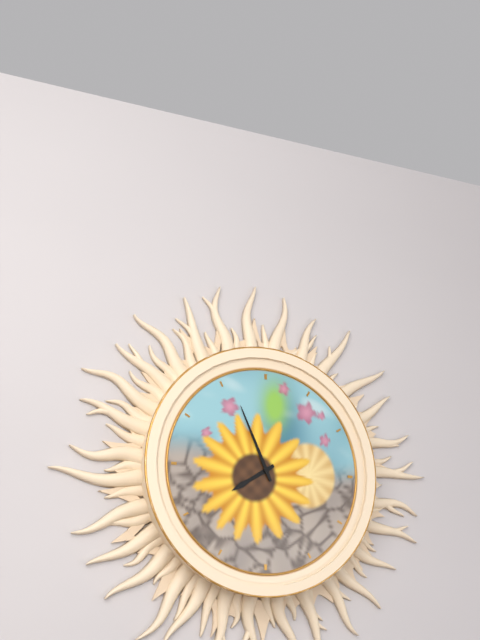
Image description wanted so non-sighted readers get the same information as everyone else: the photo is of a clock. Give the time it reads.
7:56
